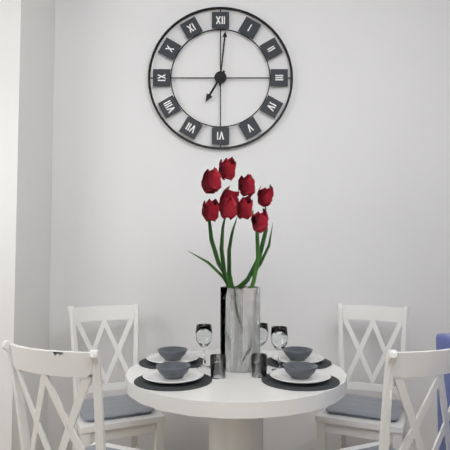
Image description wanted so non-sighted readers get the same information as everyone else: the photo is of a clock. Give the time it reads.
7:01
